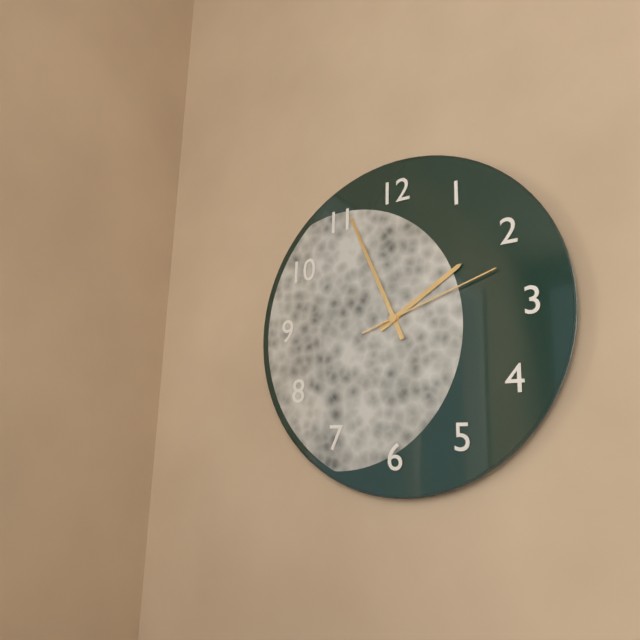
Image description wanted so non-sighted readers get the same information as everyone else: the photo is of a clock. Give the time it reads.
1:56:12
